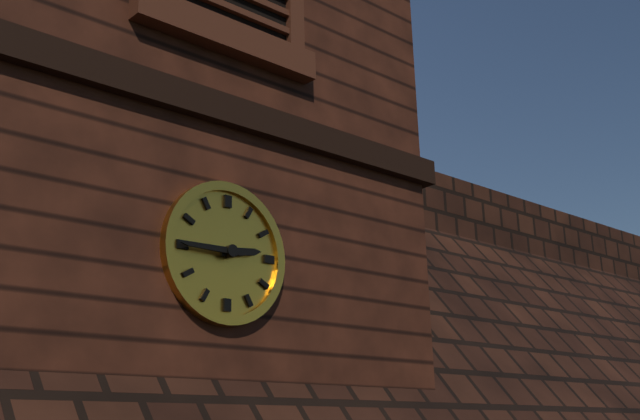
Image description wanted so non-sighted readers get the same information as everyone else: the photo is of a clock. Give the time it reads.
2:45
